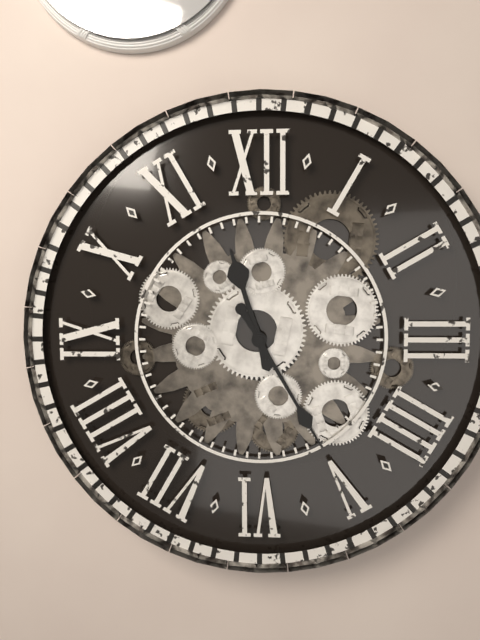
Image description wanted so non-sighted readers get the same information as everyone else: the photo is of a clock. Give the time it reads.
11:25
